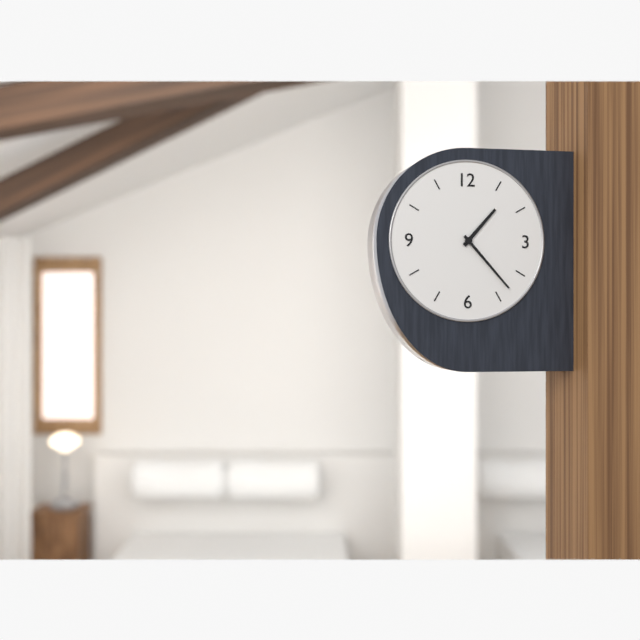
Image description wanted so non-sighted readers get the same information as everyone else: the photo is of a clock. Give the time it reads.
1:23
